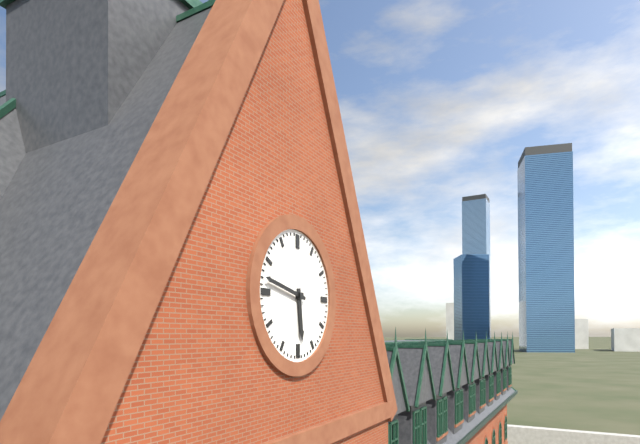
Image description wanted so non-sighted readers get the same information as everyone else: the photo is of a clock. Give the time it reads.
5:47
